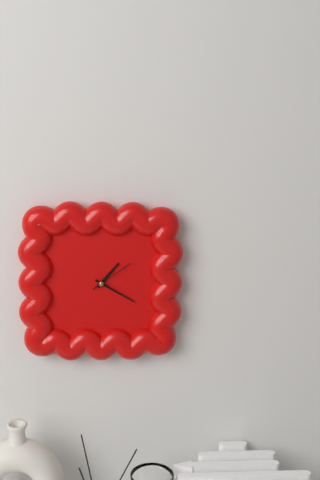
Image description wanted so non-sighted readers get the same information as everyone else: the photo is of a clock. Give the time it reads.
1:20
